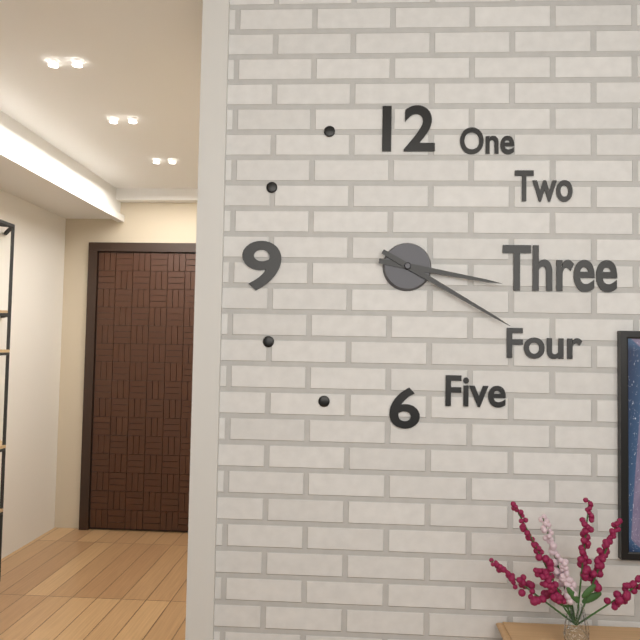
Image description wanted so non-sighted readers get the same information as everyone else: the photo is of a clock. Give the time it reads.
3:20
